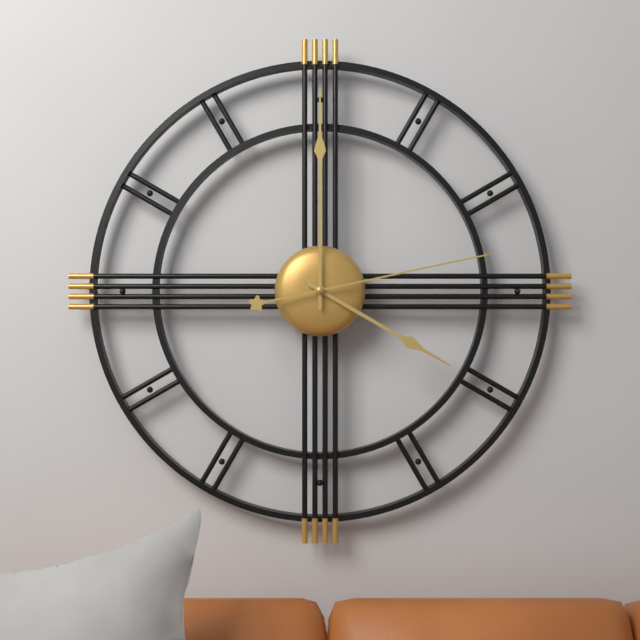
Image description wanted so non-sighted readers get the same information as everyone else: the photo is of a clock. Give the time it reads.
4:00:13
